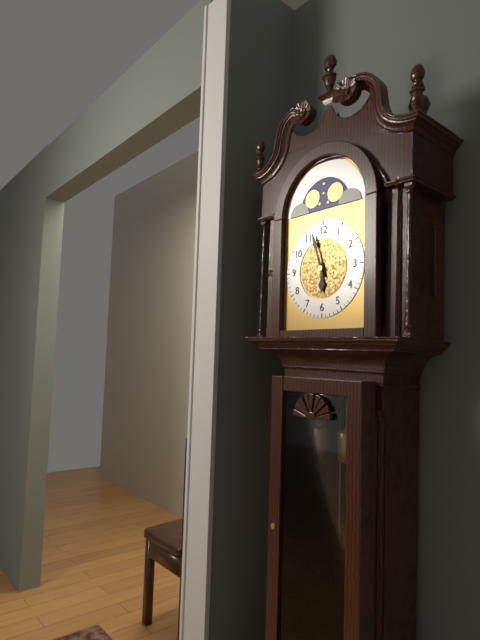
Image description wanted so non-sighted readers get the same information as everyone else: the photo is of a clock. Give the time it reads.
5:57
